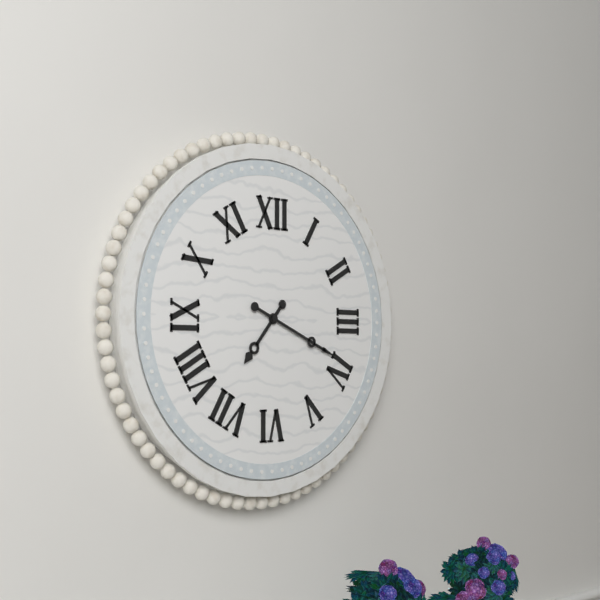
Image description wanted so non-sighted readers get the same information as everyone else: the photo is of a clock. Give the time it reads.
7:19
